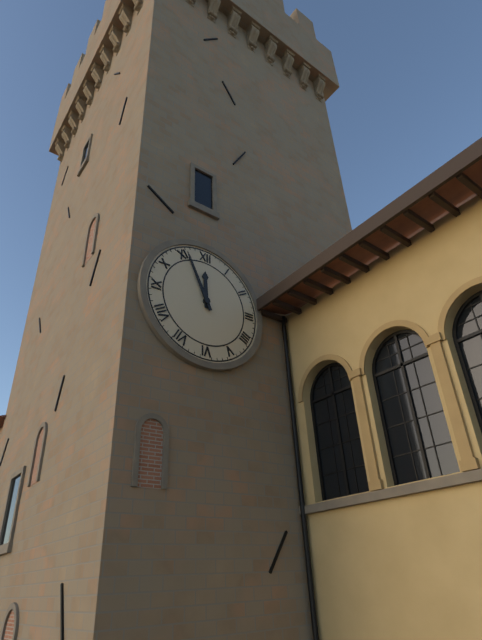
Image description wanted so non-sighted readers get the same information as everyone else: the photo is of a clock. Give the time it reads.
11:56
